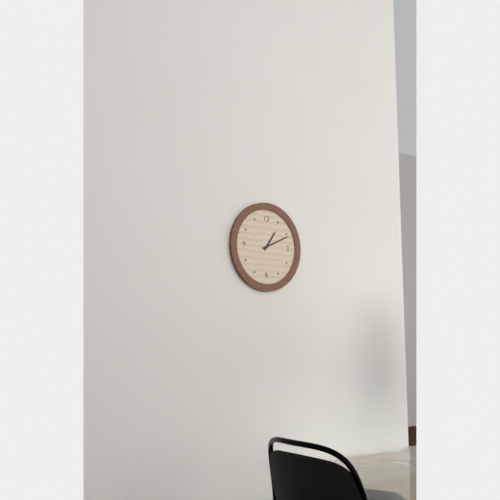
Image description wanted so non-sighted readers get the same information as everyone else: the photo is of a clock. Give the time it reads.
1:11
